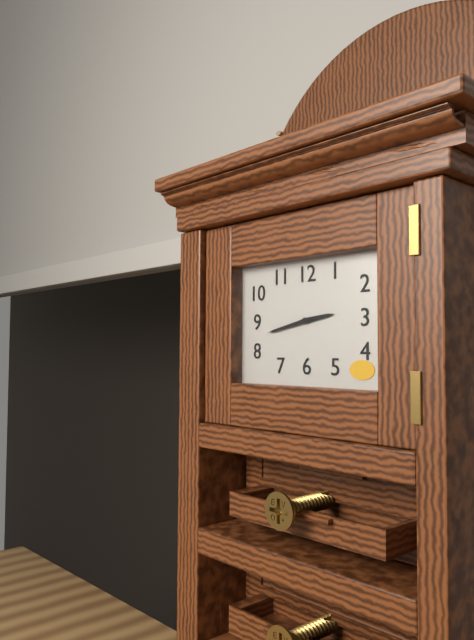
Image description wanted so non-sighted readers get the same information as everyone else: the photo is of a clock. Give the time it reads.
2:43
